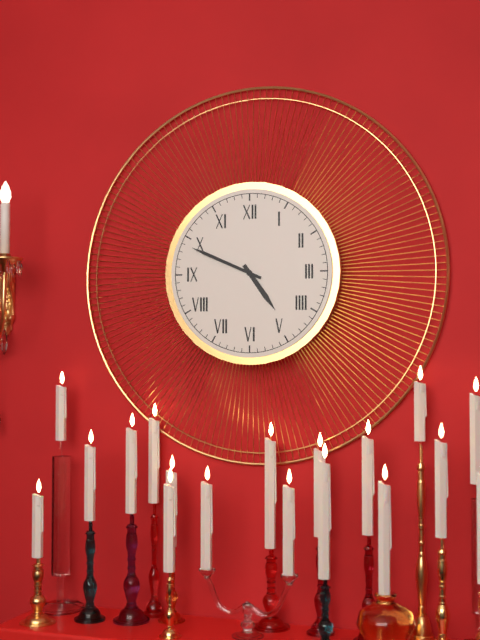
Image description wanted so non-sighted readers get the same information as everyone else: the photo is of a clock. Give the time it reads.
4:49
